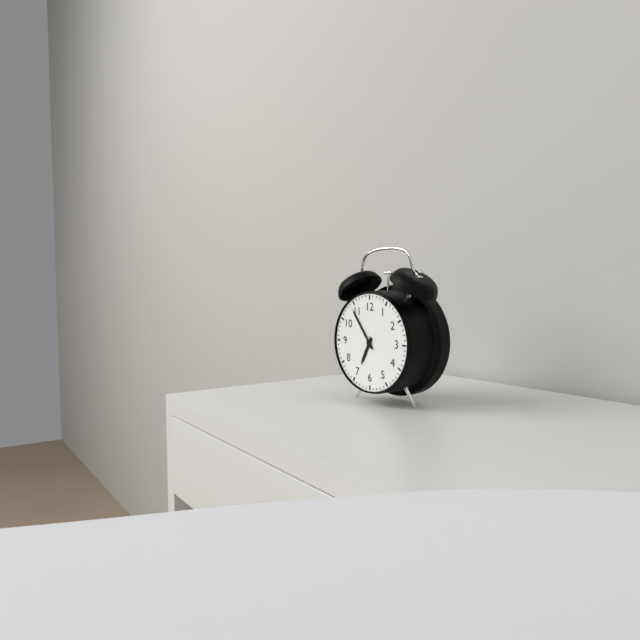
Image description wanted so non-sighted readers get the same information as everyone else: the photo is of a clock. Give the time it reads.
6:54
